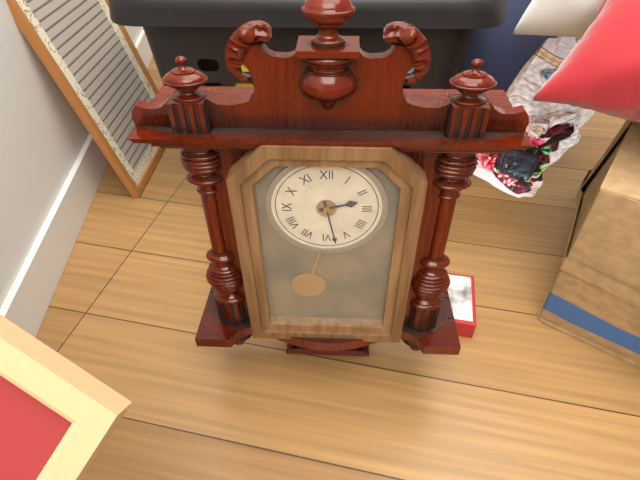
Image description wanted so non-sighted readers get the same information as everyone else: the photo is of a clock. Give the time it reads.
2:28
